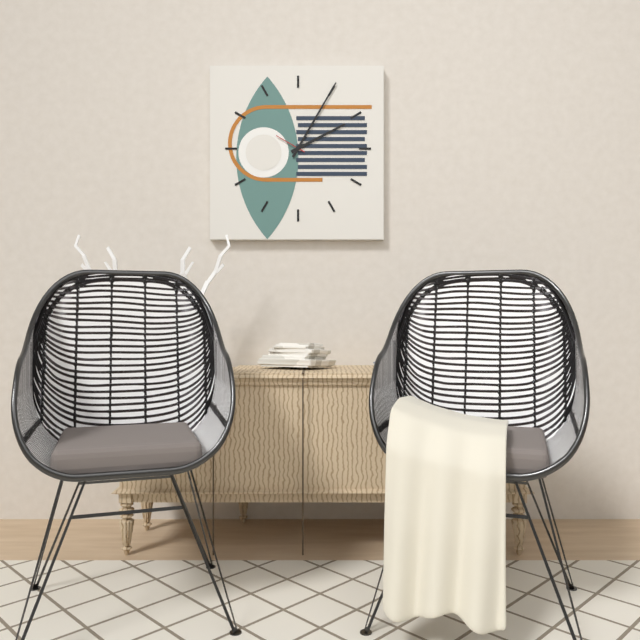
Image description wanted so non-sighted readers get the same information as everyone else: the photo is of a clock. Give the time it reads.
2:05
